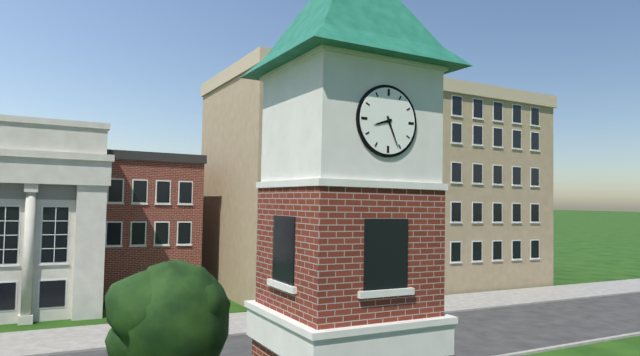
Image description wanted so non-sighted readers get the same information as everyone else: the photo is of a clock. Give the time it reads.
8:26
